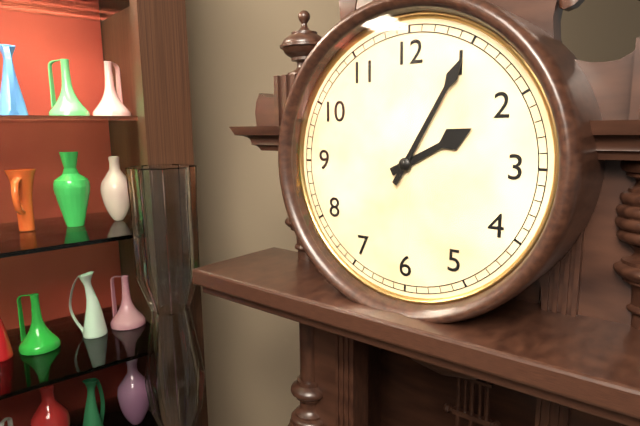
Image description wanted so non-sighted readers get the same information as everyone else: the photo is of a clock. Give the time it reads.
2:05
